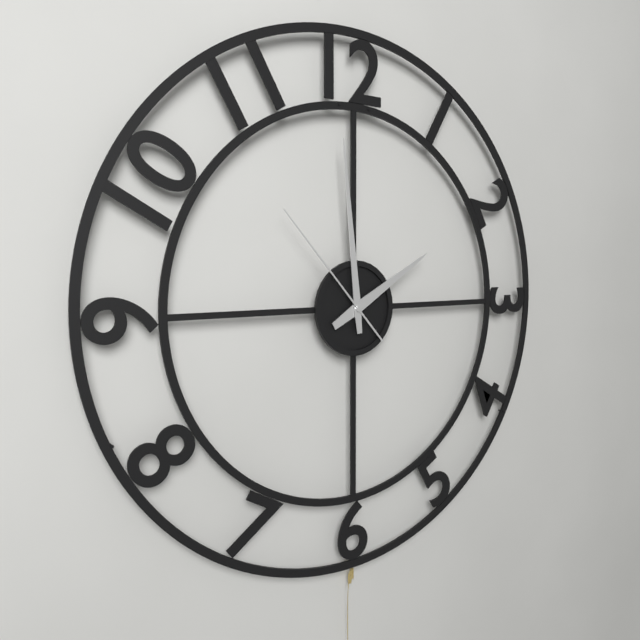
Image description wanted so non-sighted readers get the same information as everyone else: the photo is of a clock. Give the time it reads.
1:59:53
